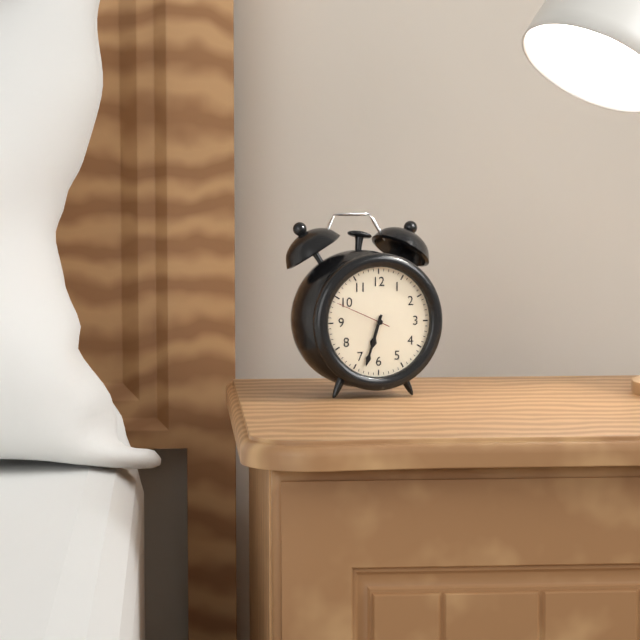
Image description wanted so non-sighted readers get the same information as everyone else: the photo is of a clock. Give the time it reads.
6:33:49
